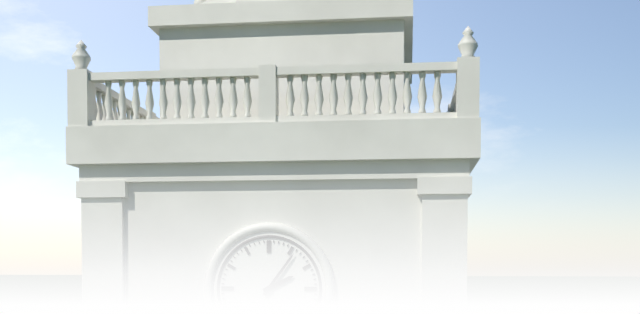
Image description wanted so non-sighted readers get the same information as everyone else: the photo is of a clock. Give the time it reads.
2:06
